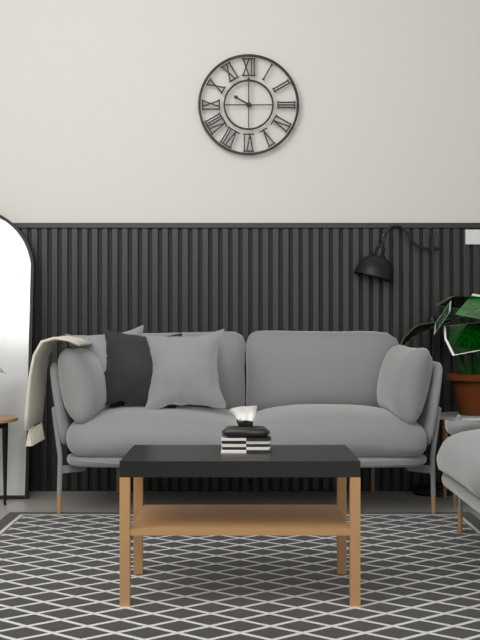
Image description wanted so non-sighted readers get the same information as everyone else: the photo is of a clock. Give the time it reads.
10:00
